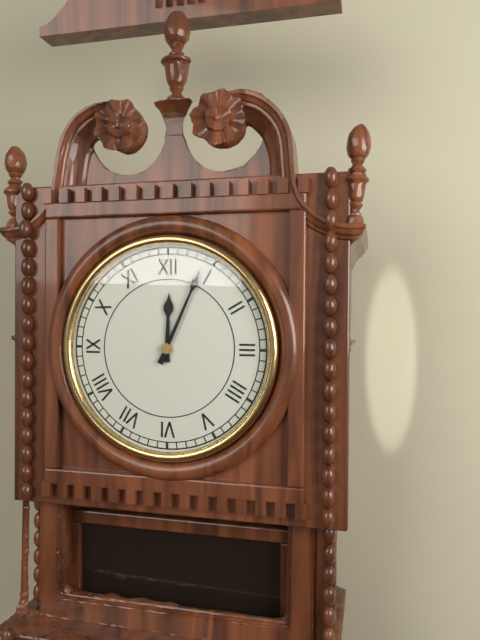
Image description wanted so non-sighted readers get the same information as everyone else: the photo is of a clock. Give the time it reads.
12:04
